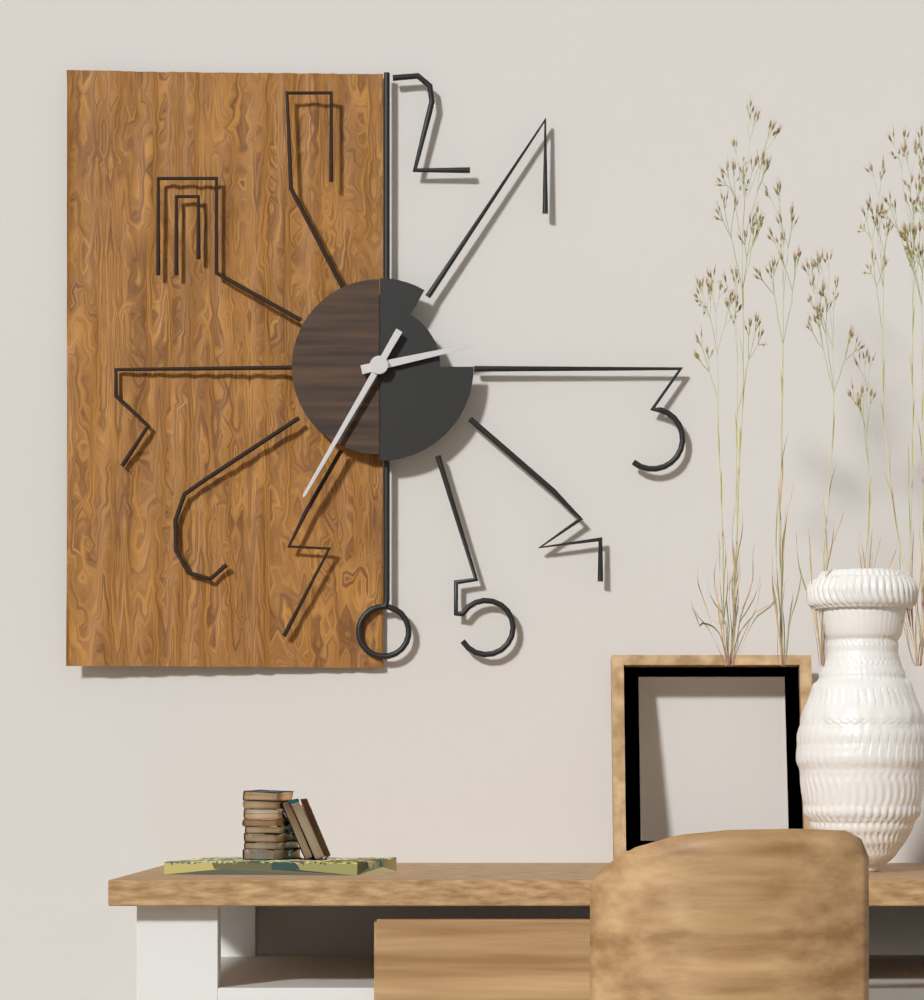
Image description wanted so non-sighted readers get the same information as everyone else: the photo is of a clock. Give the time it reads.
2:35
